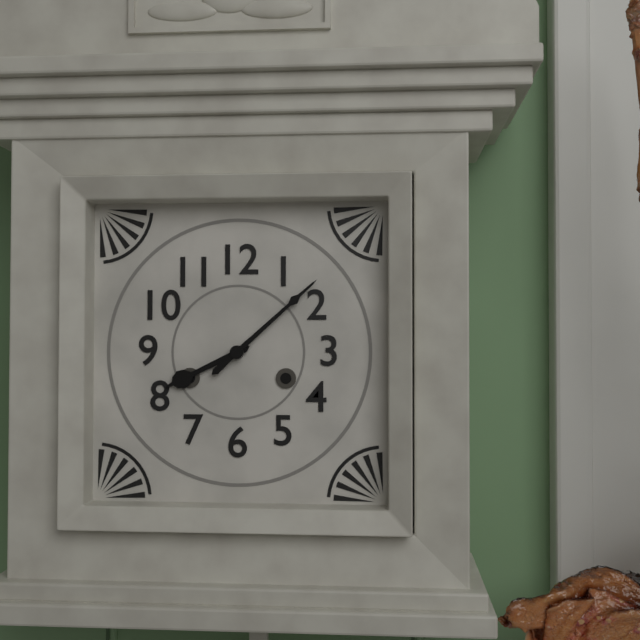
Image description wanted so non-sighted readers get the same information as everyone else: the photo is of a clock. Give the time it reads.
8:08
